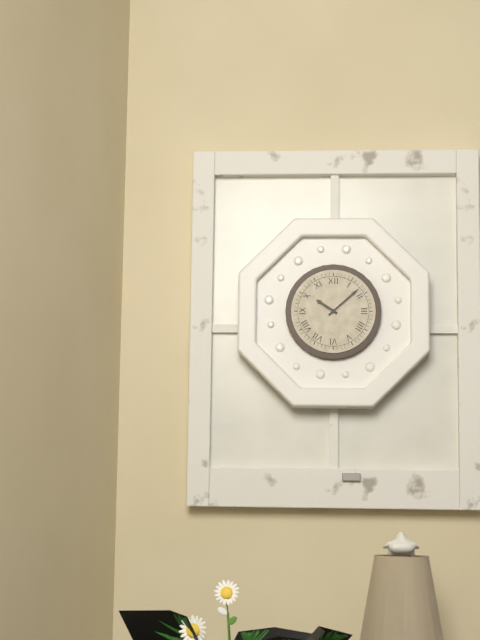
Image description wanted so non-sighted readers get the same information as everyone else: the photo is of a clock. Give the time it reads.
10:08
